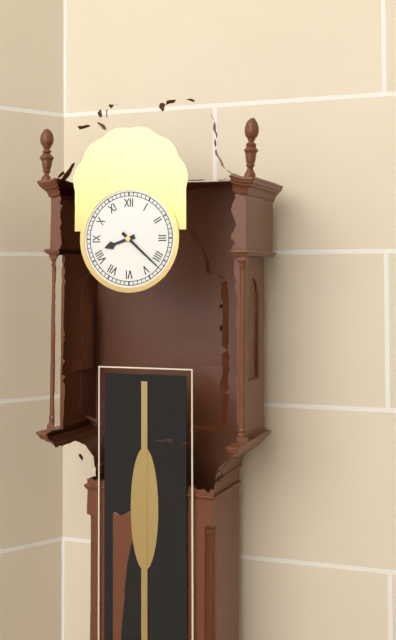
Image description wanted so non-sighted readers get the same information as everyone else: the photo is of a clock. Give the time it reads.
8:22
